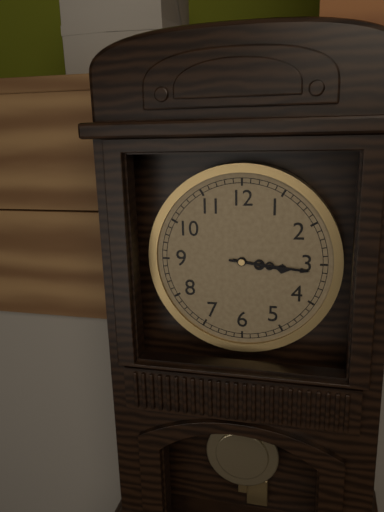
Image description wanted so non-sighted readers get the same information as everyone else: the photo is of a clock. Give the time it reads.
3:16
